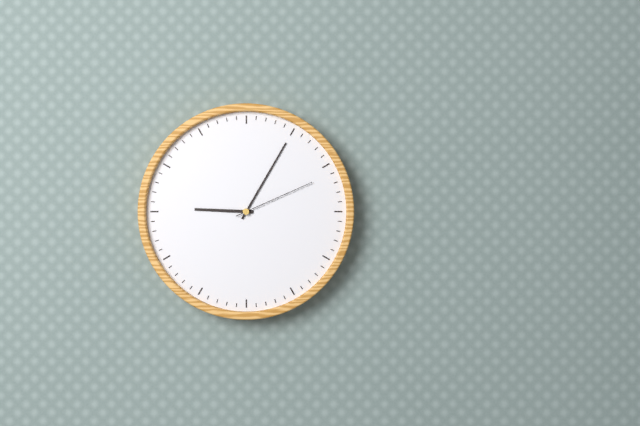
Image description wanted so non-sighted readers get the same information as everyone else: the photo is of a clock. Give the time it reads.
9:05:11
